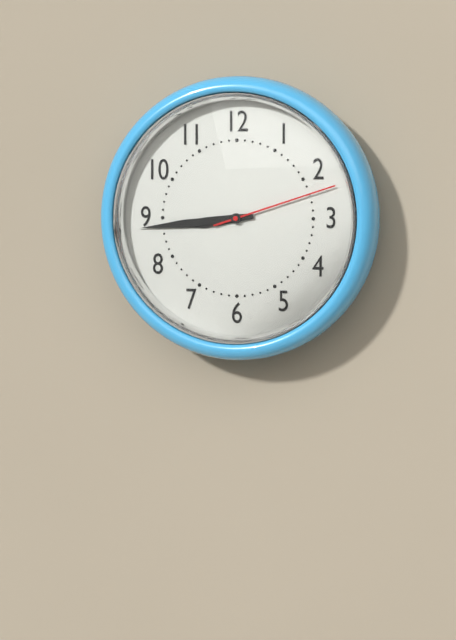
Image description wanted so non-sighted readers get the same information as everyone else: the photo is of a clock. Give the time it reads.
8:44:12
